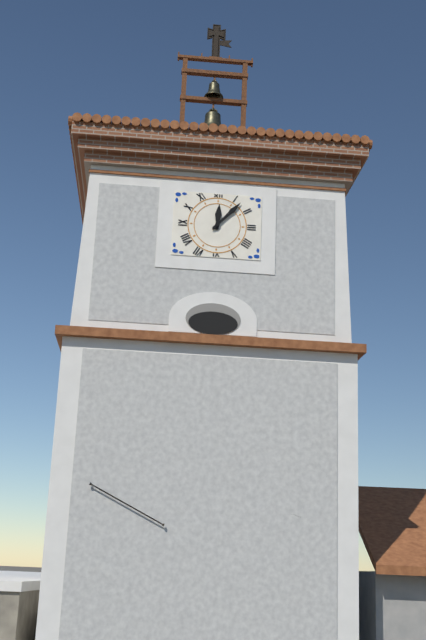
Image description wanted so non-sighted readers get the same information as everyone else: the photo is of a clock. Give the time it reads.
12:07
